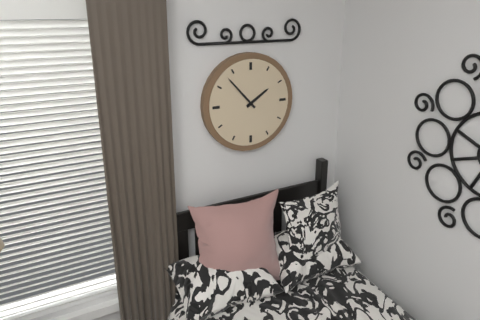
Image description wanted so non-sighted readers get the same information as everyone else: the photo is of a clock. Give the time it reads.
1:53
